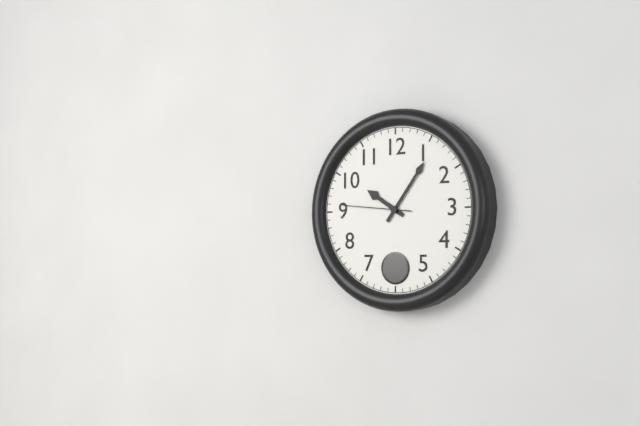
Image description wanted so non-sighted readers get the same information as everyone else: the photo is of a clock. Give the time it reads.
10:06:46
